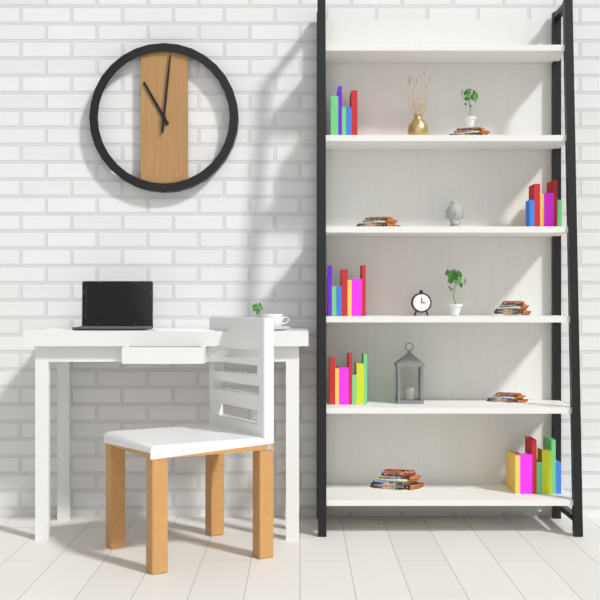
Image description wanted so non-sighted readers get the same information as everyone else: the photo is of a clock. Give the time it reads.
11:01
